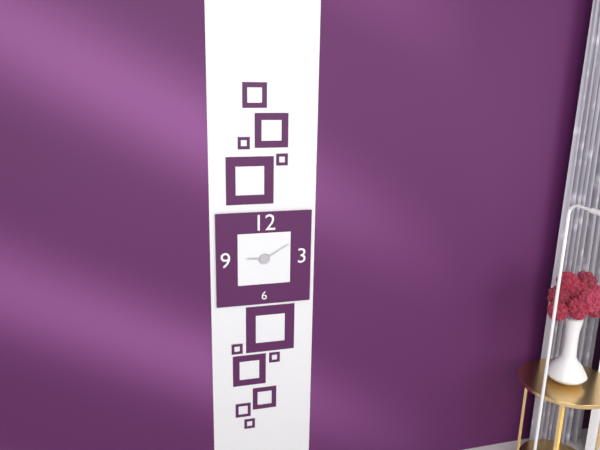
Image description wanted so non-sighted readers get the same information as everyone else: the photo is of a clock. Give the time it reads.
9:10
